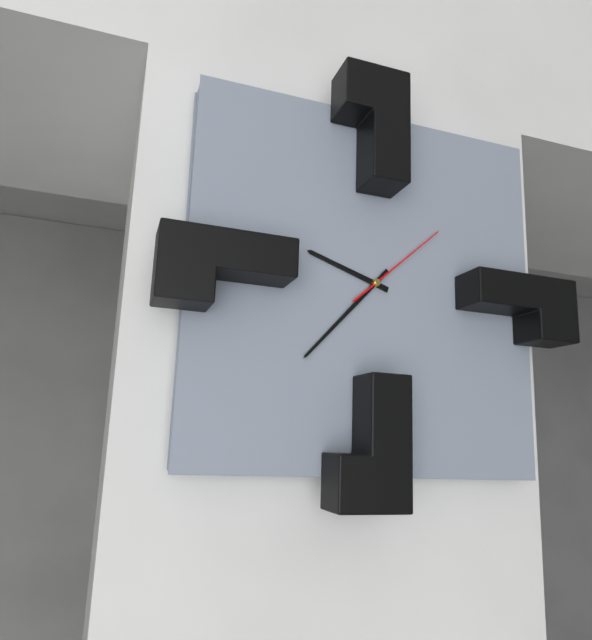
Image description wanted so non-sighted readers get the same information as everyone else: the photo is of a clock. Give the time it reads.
9:37:08
